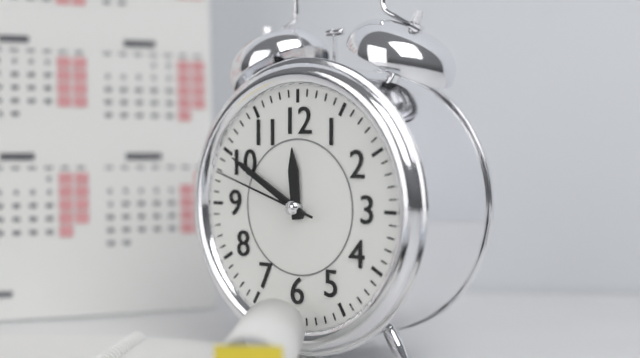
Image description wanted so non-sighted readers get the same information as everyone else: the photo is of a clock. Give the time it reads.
11:50:48
